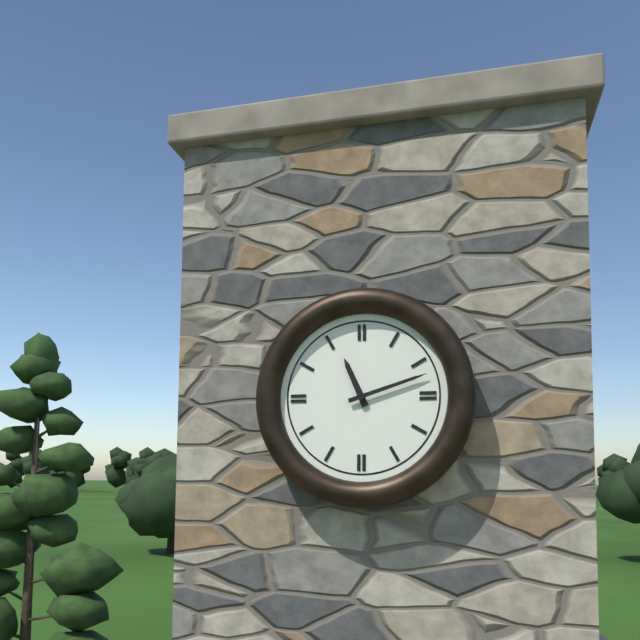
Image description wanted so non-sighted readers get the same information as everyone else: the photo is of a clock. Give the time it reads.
11:12
